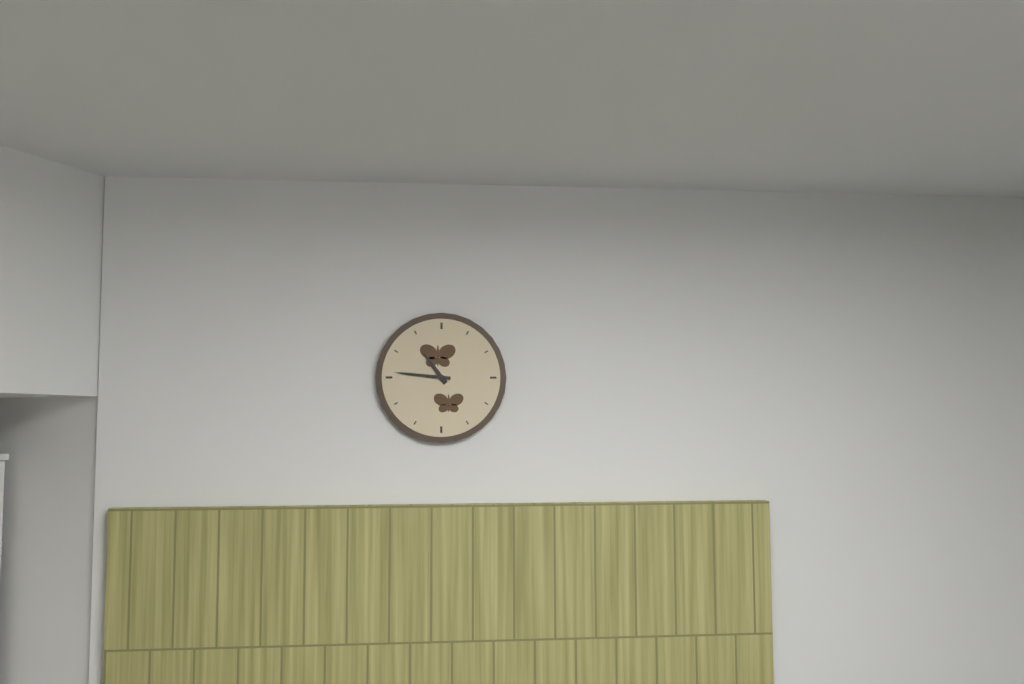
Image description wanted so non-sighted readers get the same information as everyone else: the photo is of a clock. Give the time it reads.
10:46
